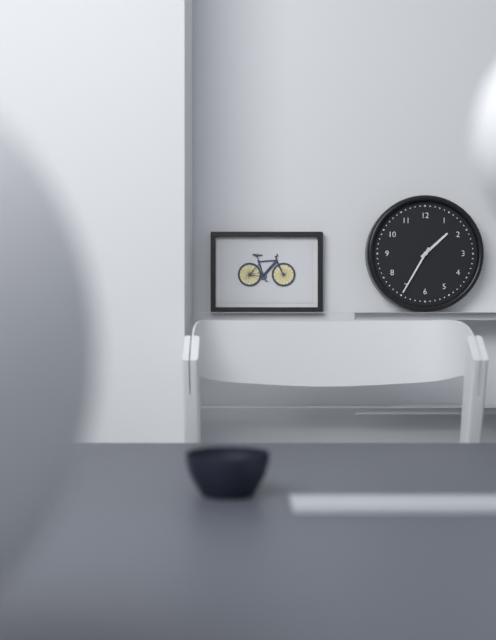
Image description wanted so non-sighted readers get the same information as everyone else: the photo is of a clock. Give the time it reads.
1:35
